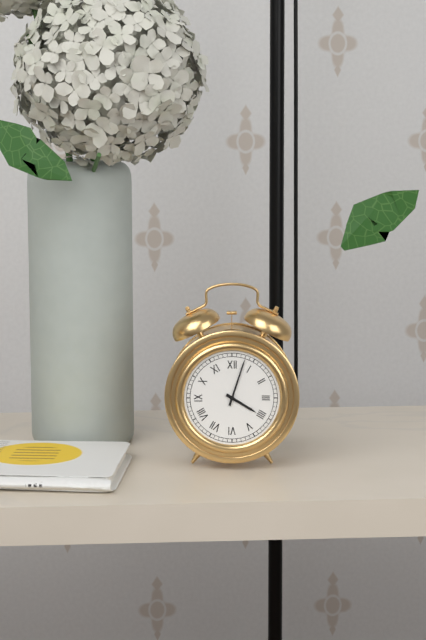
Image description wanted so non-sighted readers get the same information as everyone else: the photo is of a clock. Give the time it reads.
4:03
